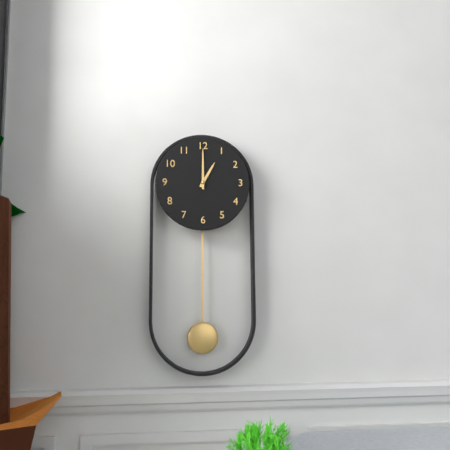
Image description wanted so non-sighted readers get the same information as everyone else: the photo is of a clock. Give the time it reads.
1:00
